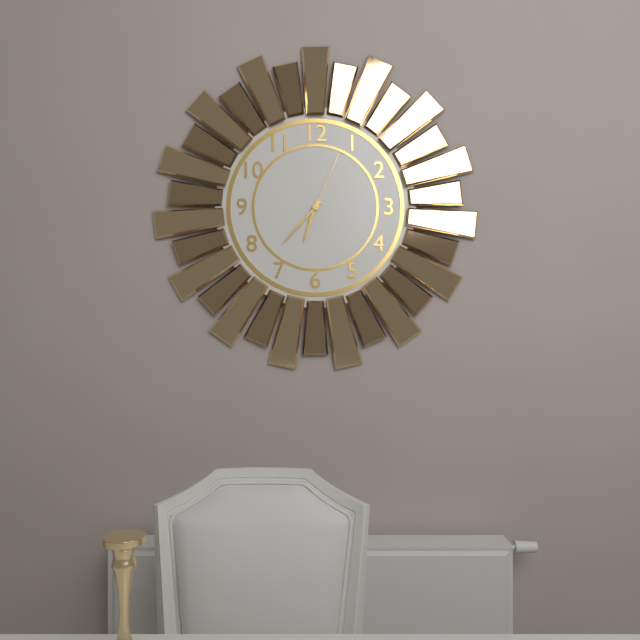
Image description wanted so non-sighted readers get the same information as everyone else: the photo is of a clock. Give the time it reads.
6:37:04
